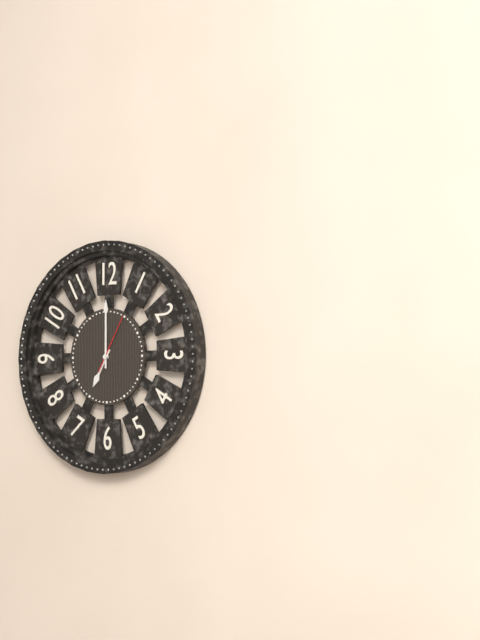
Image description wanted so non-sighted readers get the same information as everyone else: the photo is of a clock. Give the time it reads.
7:00:05
